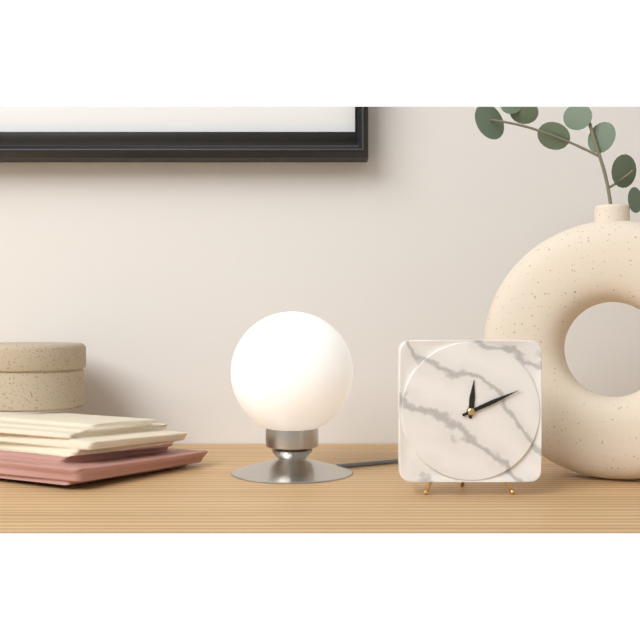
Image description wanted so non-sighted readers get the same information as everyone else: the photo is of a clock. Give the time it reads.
12:11
